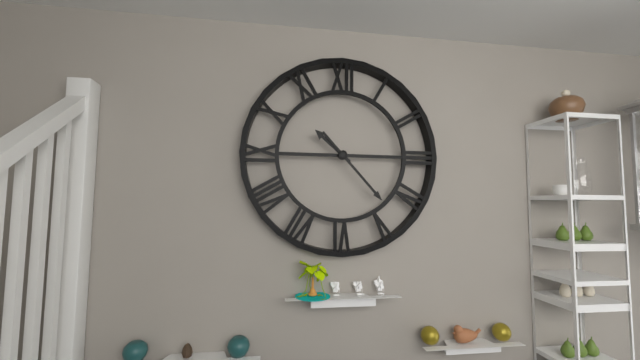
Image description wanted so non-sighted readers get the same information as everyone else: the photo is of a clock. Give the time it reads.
10:23
